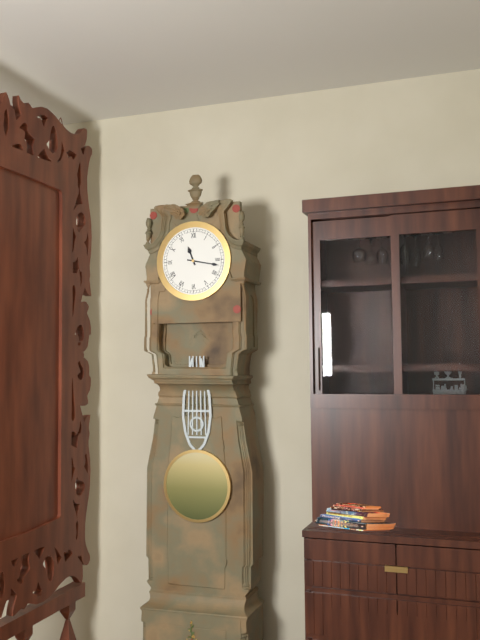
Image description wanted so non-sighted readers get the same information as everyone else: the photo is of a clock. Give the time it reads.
11:17
